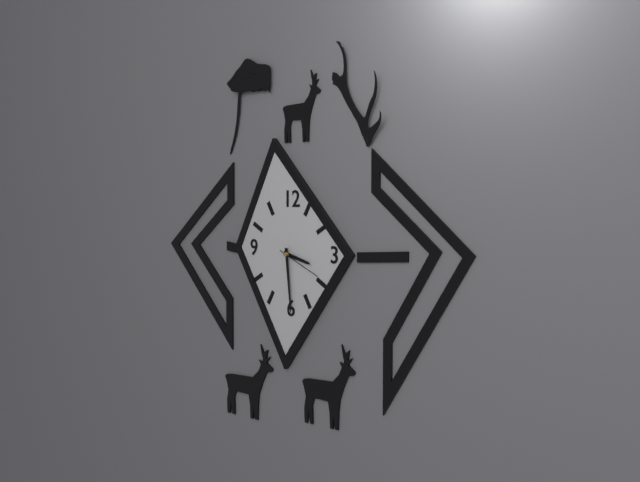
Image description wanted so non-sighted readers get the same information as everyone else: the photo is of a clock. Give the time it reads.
3:29
